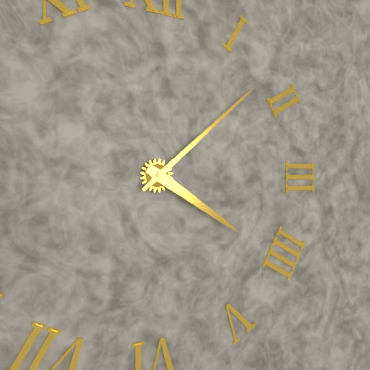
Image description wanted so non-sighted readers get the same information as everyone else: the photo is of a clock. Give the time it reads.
4:08
